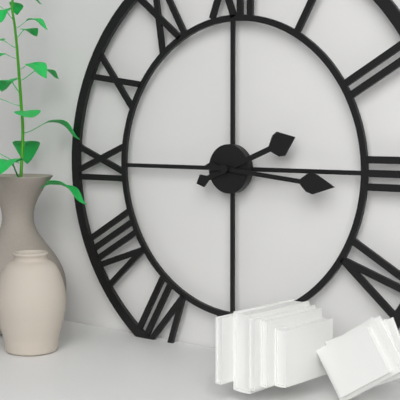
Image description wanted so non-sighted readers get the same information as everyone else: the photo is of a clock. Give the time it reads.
2:16
